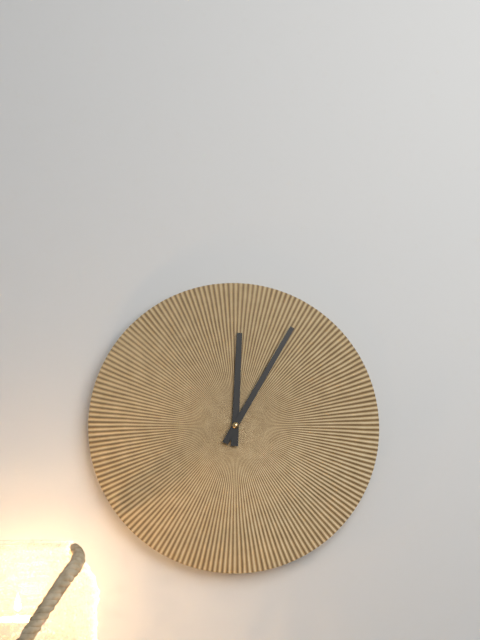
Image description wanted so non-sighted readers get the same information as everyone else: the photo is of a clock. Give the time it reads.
12:05
